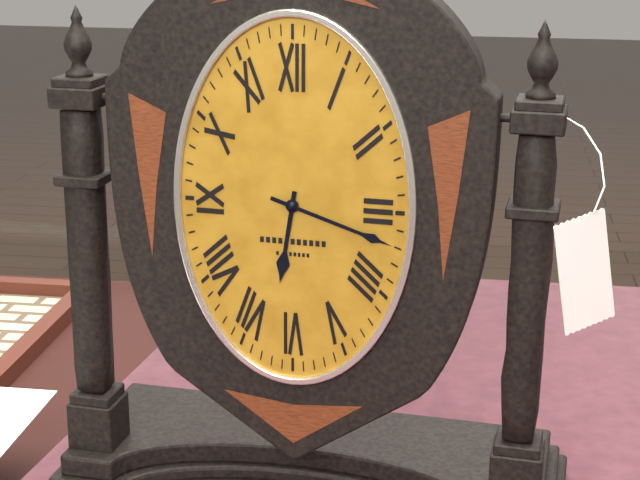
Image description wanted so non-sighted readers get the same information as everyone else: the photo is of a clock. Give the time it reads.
6:18
